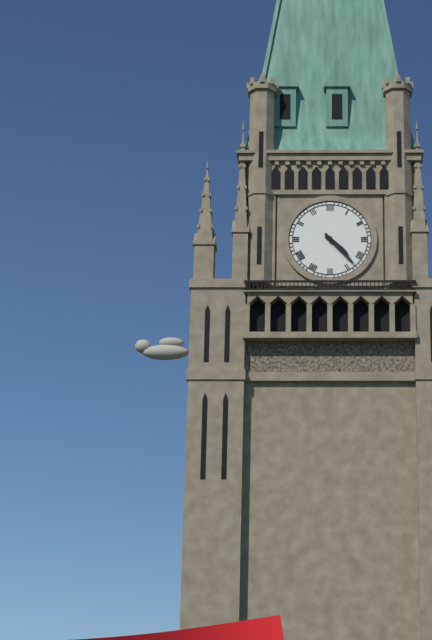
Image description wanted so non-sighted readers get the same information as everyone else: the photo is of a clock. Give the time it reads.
4:23
